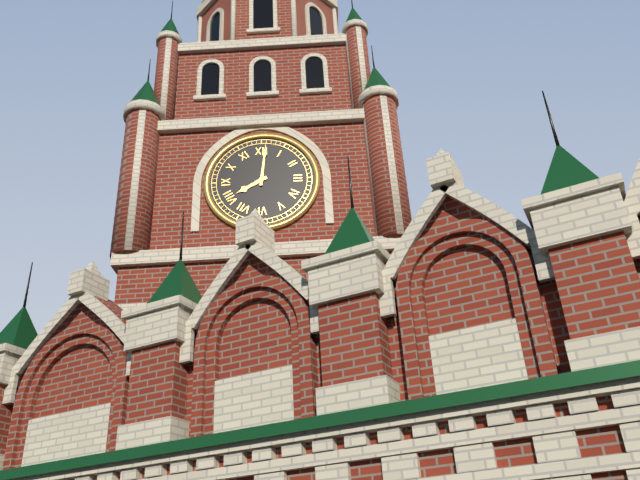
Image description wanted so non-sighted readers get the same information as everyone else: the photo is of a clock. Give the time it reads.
8:01
